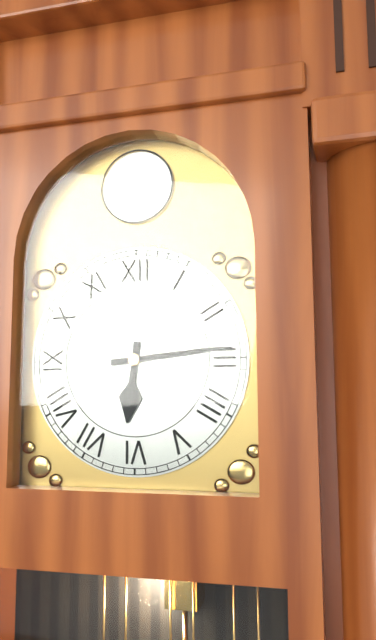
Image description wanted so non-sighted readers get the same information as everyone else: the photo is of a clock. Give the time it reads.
6:14
